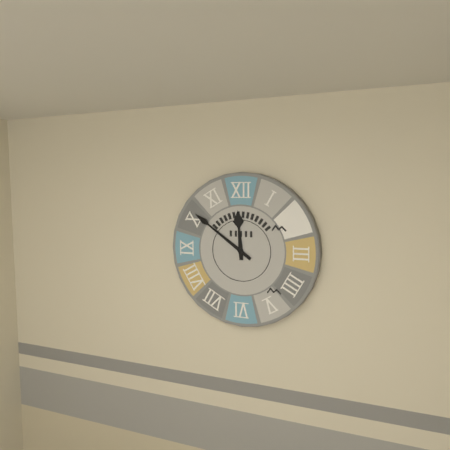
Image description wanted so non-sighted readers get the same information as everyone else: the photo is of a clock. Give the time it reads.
11:51
